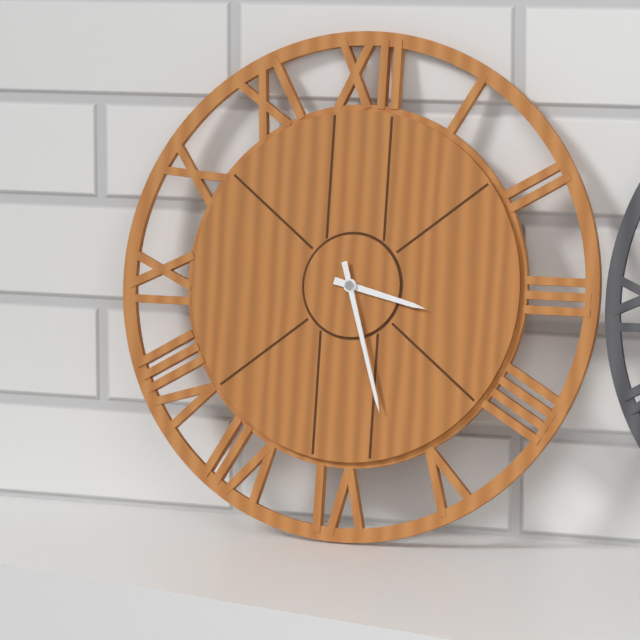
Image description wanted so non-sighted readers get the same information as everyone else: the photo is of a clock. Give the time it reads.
3:27
